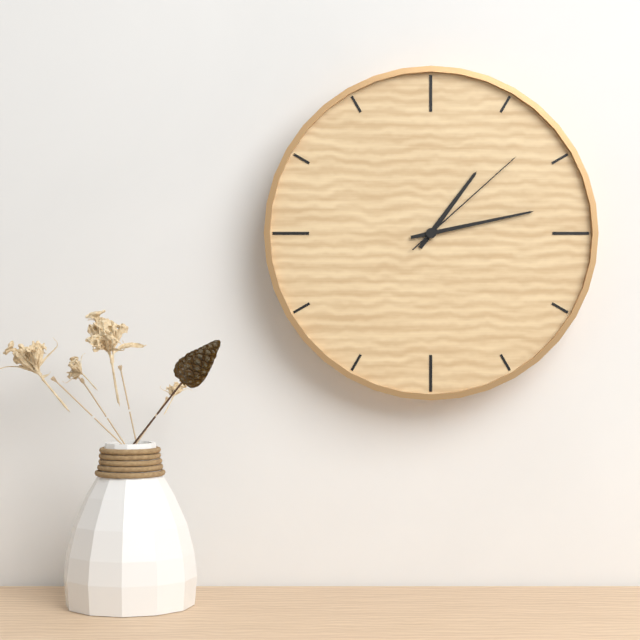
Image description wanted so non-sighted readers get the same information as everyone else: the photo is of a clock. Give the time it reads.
1:13:08
